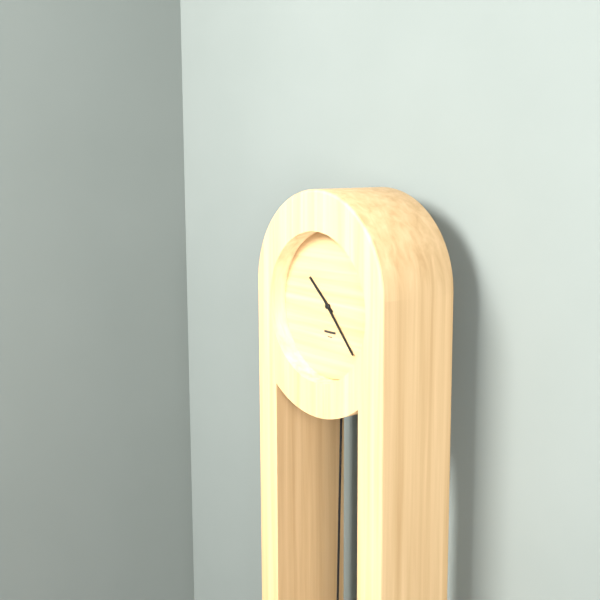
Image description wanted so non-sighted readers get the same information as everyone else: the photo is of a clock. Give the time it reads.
10:23
